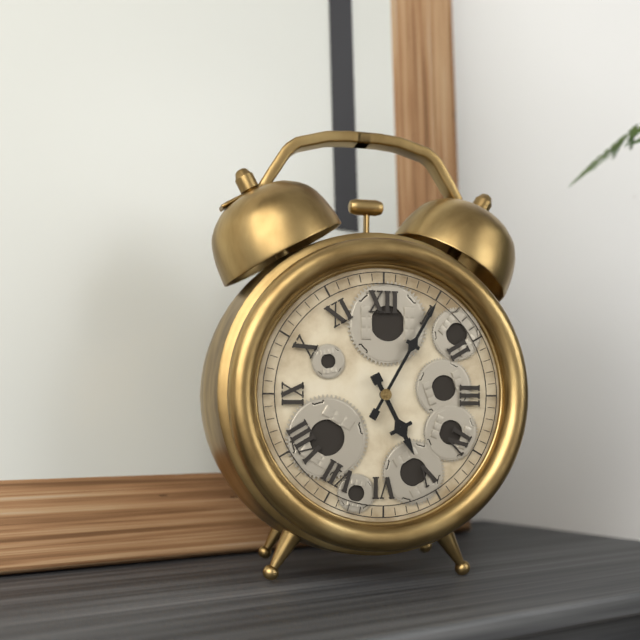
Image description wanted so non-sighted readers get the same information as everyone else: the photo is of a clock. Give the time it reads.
5:05
